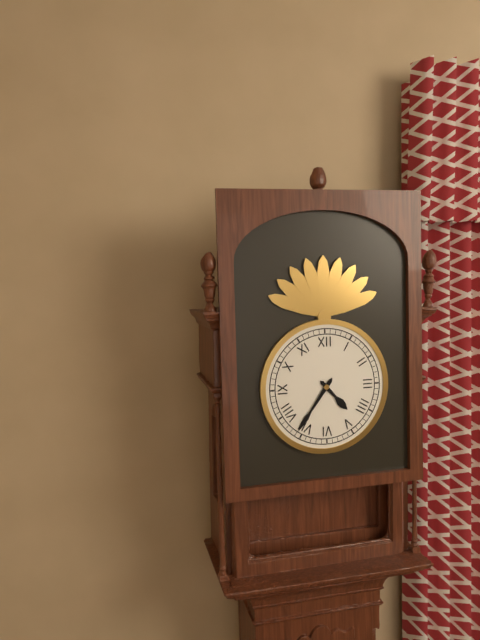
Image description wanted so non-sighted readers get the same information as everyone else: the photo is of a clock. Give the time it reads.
4:36
